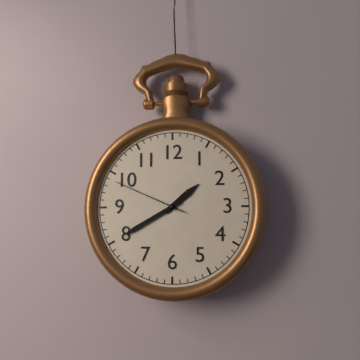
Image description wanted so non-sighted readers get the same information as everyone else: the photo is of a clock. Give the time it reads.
1:40:49
